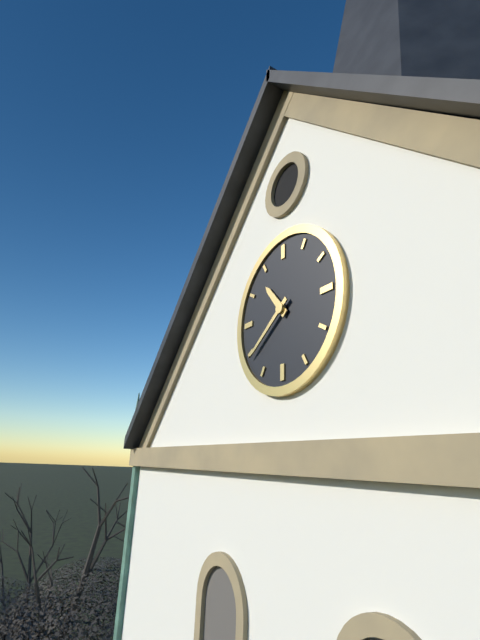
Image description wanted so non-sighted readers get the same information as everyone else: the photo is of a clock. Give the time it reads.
10:39
